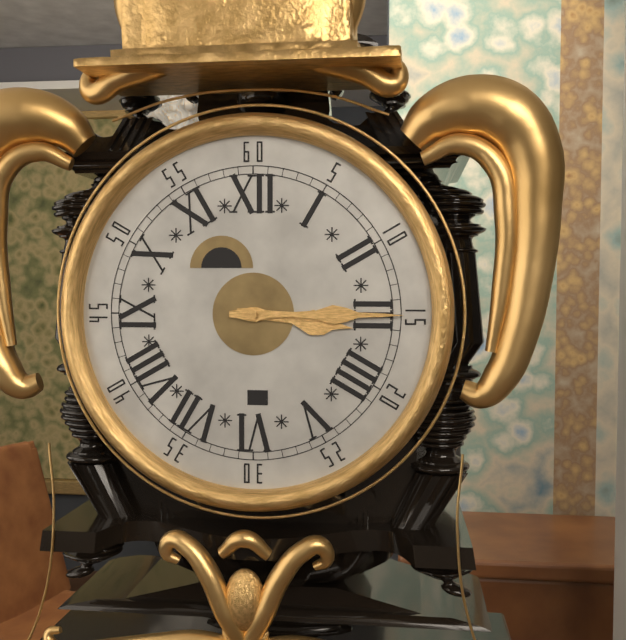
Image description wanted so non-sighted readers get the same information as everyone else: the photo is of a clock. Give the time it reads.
3:15
